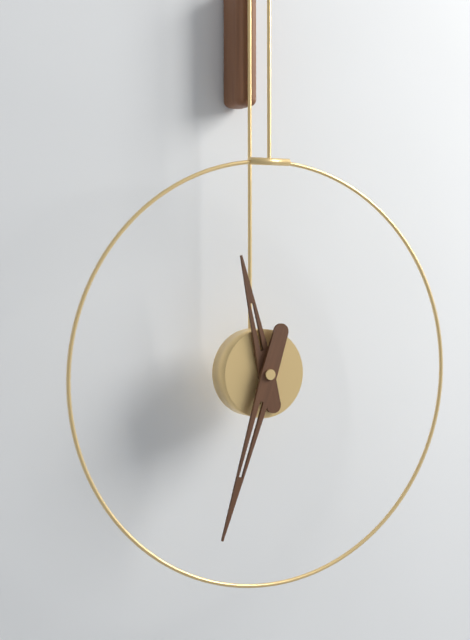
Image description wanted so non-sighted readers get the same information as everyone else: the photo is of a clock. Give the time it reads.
11:33
